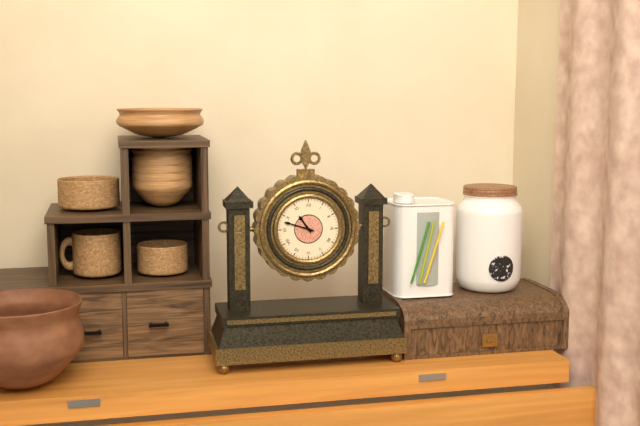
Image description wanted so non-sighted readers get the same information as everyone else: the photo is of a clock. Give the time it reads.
10:48
